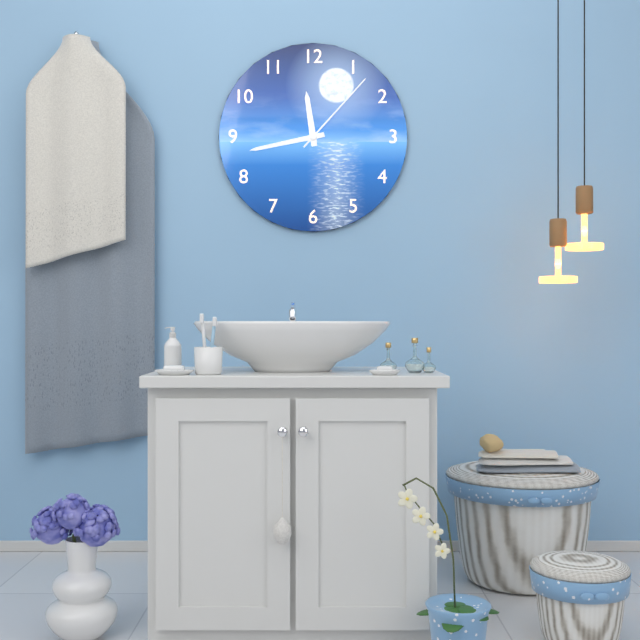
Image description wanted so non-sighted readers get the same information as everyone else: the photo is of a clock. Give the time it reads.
11:43:07
